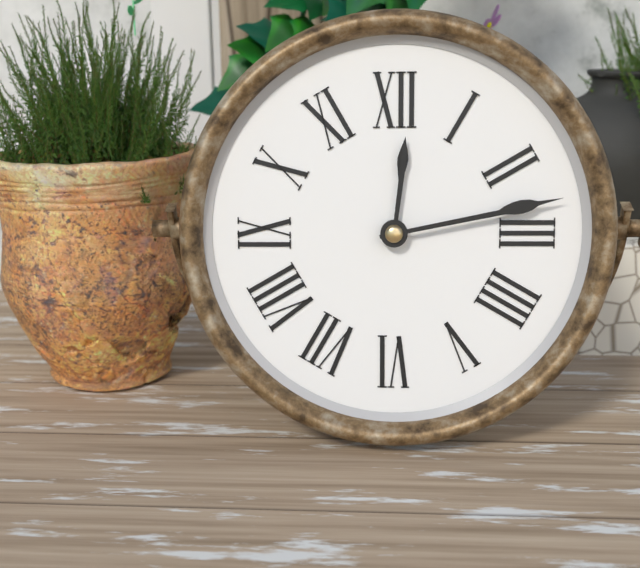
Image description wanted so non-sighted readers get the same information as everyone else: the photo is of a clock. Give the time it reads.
12:13
